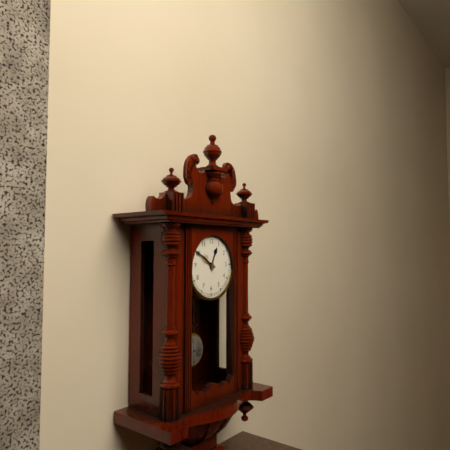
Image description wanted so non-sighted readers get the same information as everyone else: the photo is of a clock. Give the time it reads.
12:50
